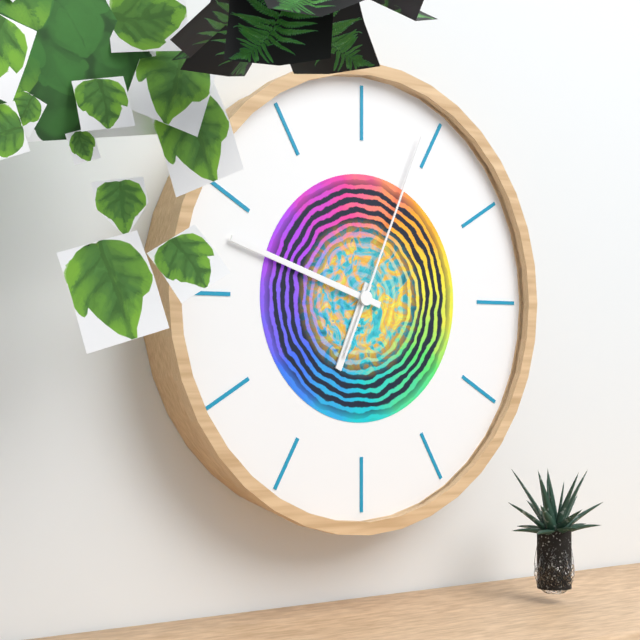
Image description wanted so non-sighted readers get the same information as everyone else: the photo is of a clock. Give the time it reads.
6:48:04
